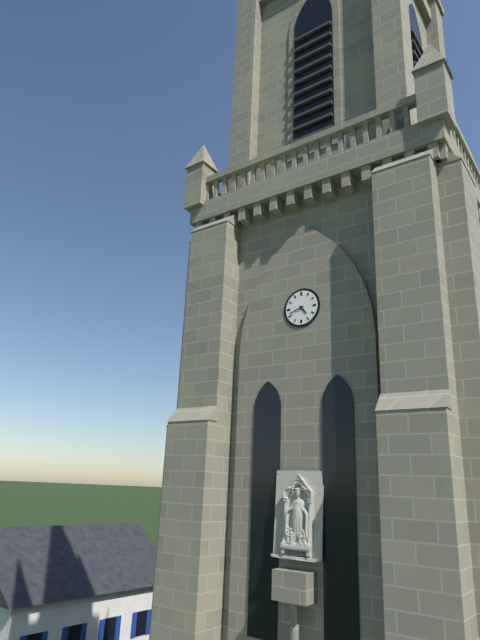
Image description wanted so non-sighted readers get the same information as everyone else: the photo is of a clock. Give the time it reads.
4:42
